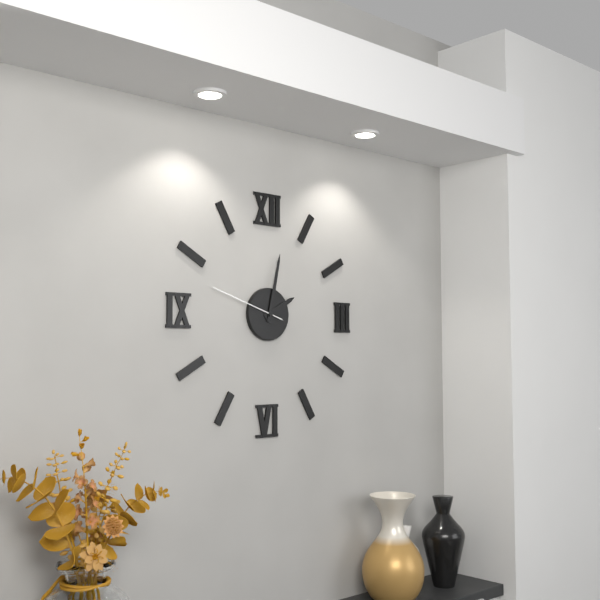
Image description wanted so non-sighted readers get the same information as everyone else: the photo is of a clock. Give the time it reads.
2:02:48
